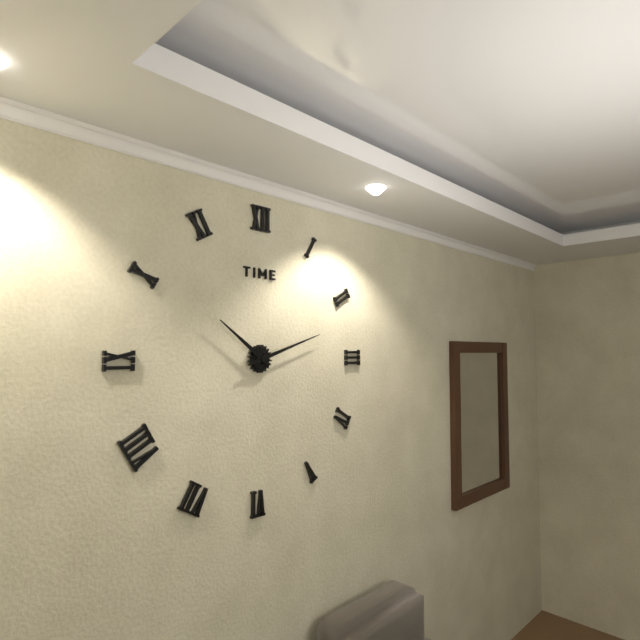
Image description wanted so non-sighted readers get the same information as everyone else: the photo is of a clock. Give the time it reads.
10:12
